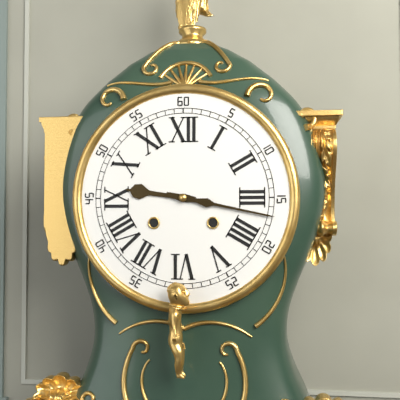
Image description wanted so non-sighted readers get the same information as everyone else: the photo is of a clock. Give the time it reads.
9:17
